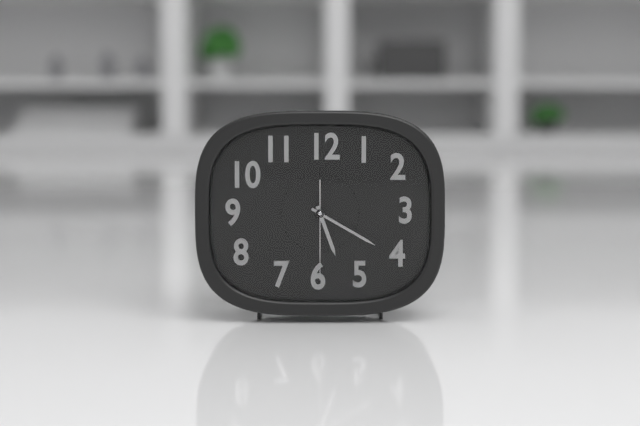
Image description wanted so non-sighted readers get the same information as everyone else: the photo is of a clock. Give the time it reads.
5:20:30
